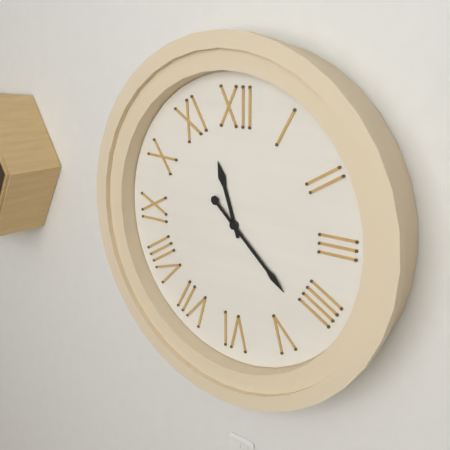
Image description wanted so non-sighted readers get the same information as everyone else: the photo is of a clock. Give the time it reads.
11:22
